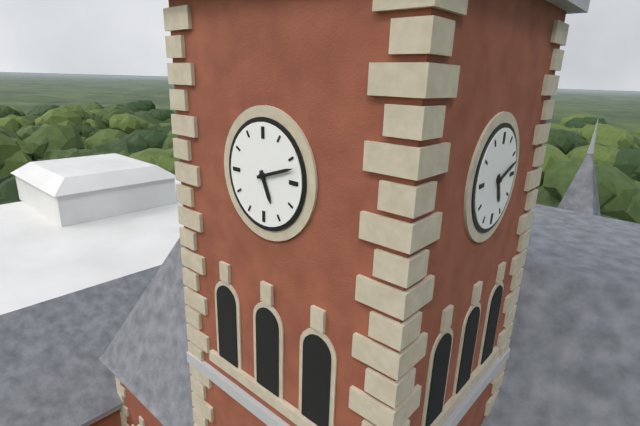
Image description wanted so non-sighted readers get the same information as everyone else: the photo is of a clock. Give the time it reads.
5:12
